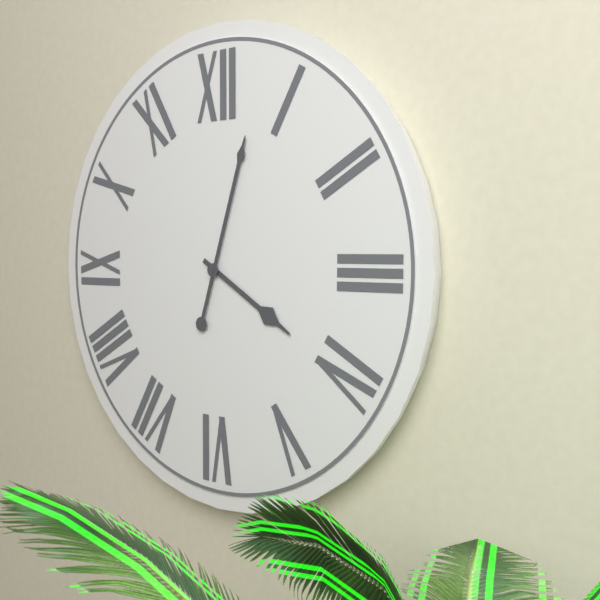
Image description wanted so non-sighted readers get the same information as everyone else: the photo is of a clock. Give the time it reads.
4:03
